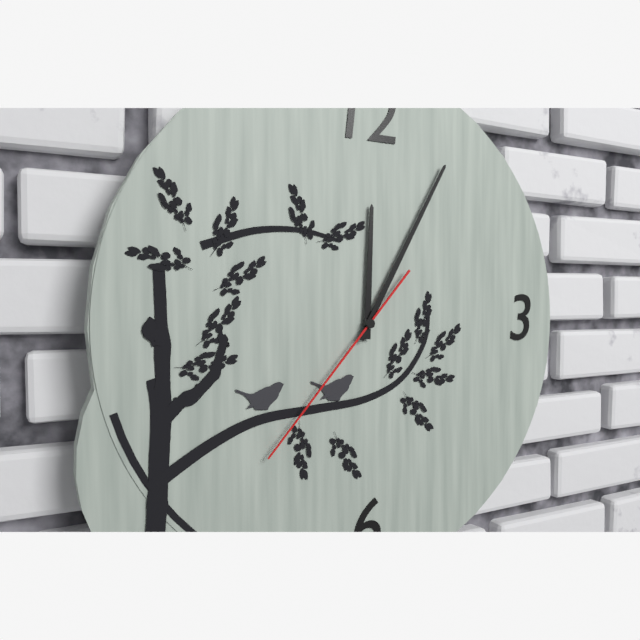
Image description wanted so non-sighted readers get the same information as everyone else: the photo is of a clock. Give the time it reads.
12:05:37
